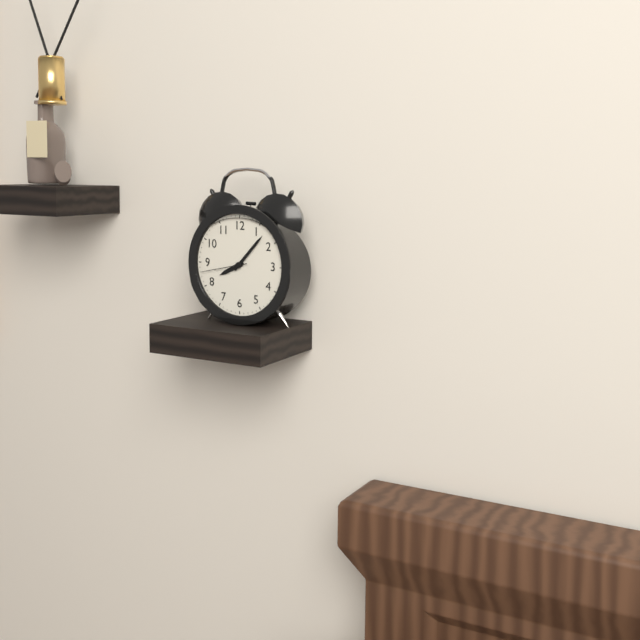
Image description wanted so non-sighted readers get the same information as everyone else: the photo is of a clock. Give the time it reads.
8:07
